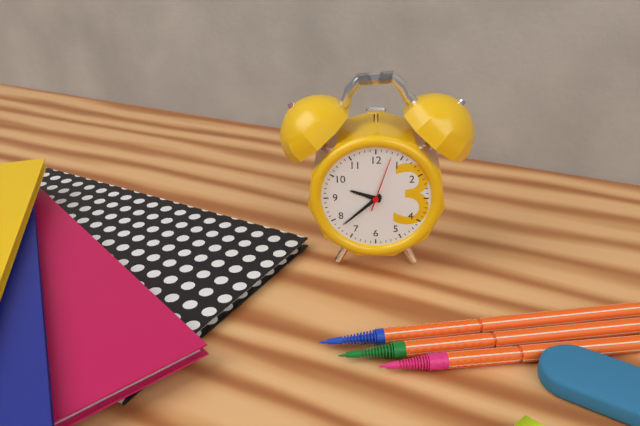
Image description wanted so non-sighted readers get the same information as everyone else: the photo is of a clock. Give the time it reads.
9:38:03
